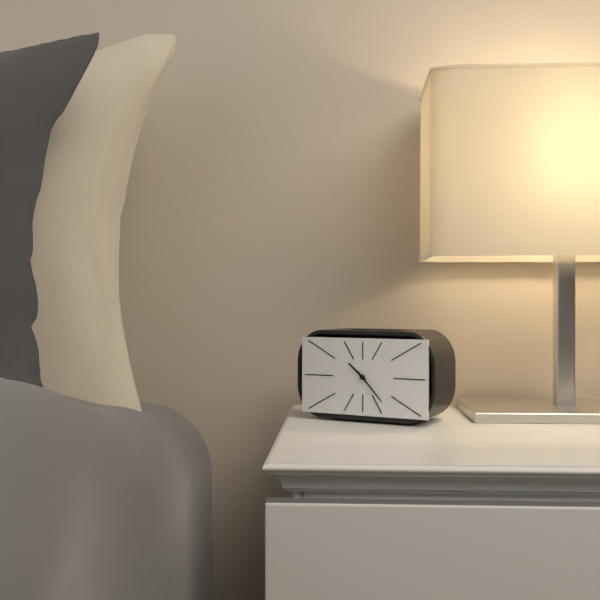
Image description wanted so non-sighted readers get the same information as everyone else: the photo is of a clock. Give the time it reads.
10:23
